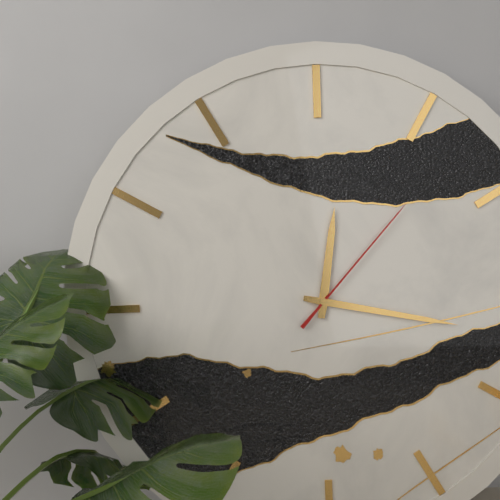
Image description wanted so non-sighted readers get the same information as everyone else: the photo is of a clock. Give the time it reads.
12:17:07
